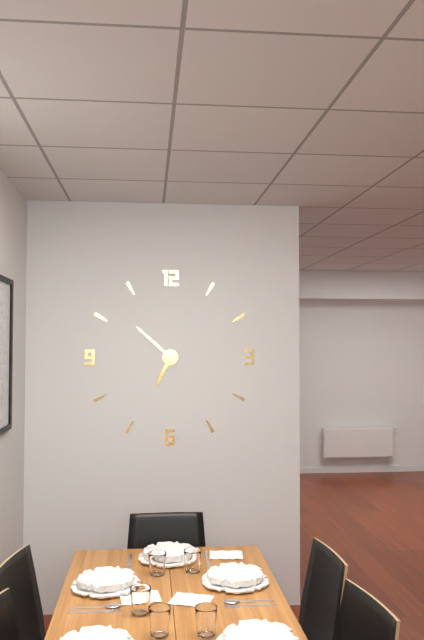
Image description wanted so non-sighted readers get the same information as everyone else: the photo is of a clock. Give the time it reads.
6:52
